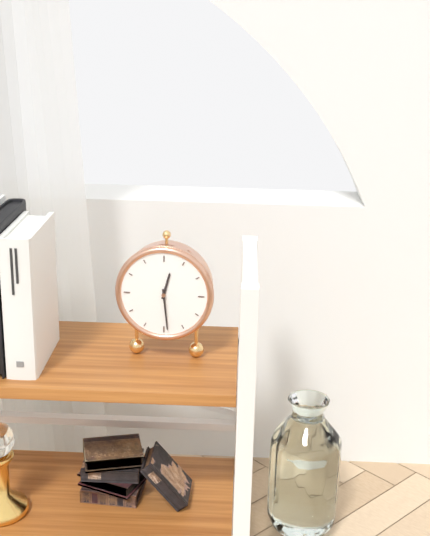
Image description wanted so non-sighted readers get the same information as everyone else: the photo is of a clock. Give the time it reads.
12:29
